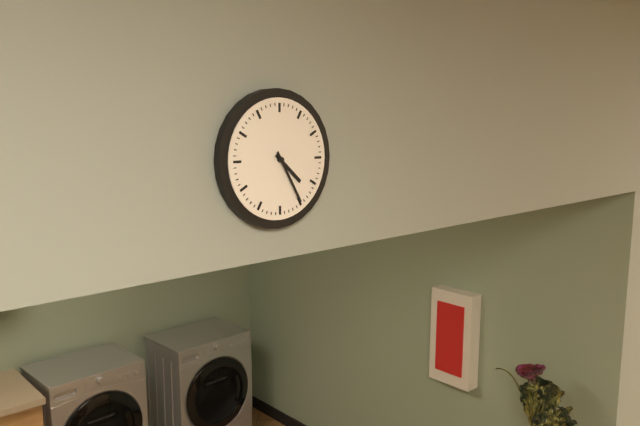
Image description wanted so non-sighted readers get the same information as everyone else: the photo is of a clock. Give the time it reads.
4:25
